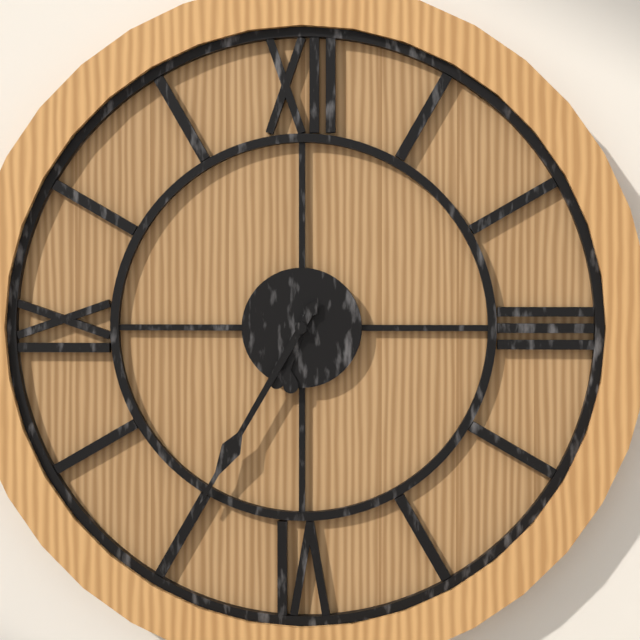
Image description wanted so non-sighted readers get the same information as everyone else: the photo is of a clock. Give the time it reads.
6:35
